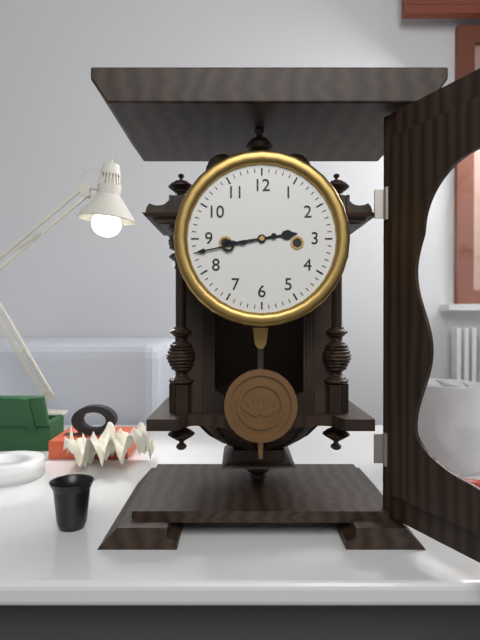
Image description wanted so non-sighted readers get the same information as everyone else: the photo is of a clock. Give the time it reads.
2:43
